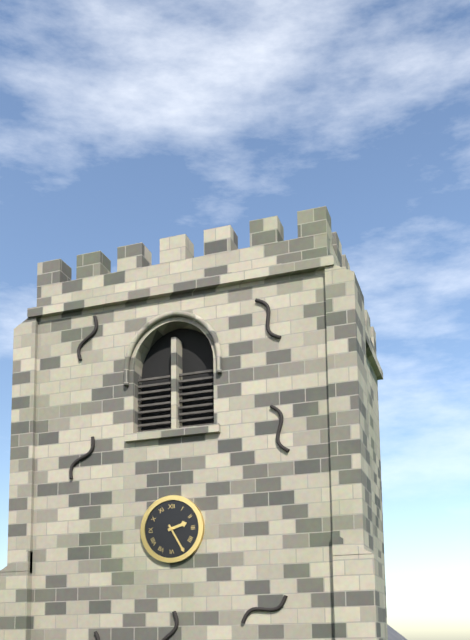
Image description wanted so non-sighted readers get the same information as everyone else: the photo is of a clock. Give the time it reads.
2:25
